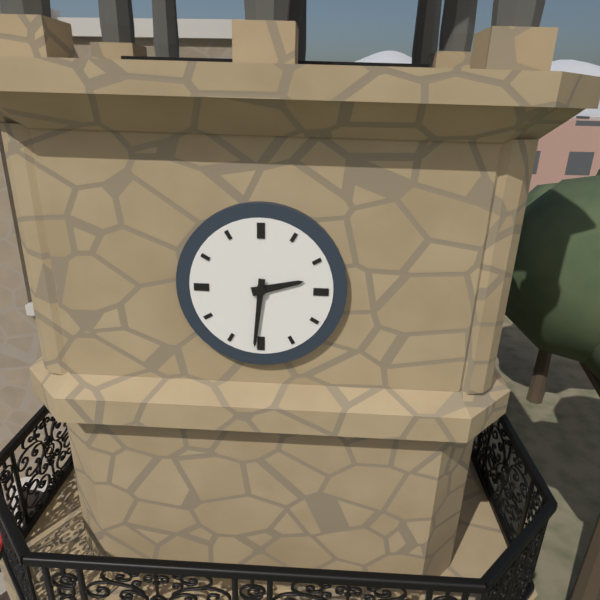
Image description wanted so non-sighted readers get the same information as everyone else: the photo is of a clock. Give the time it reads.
2:31
